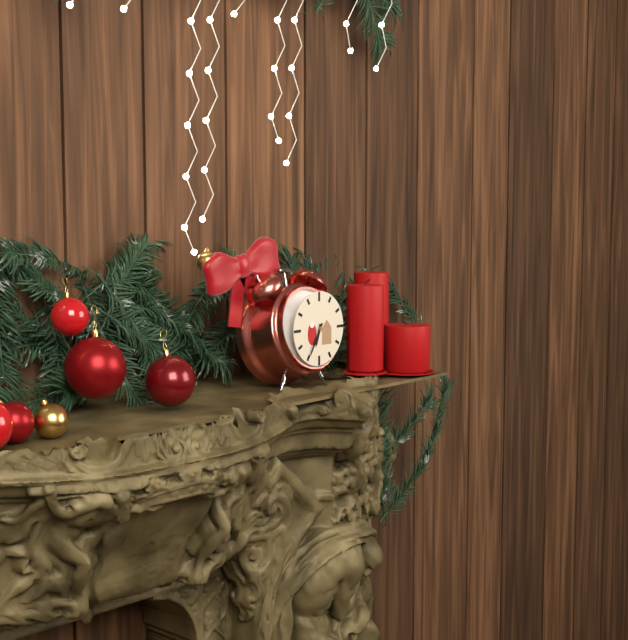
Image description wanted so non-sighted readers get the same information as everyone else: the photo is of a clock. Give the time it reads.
6:35
